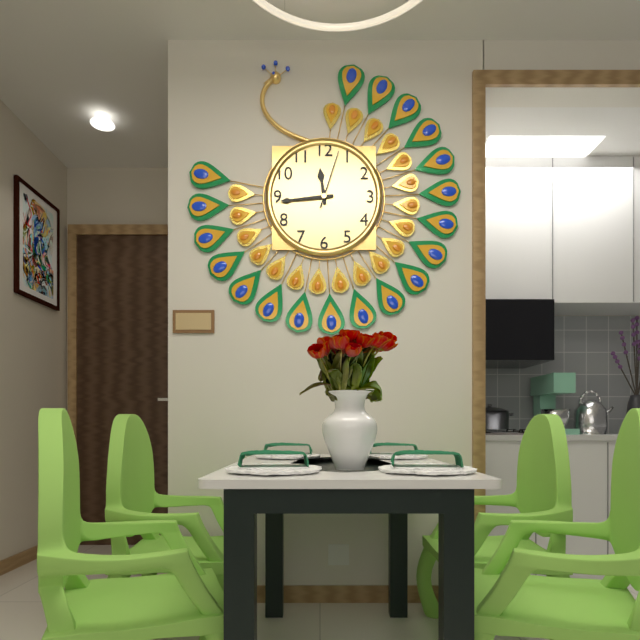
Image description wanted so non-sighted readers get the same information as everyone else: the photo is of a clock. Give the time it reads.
11:44:03
